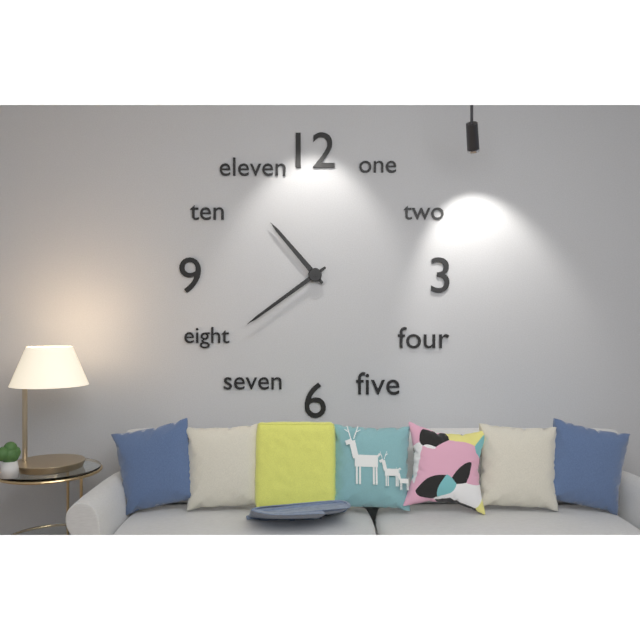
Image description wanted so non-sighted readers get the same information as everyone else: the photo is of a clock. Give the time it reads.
10:39
